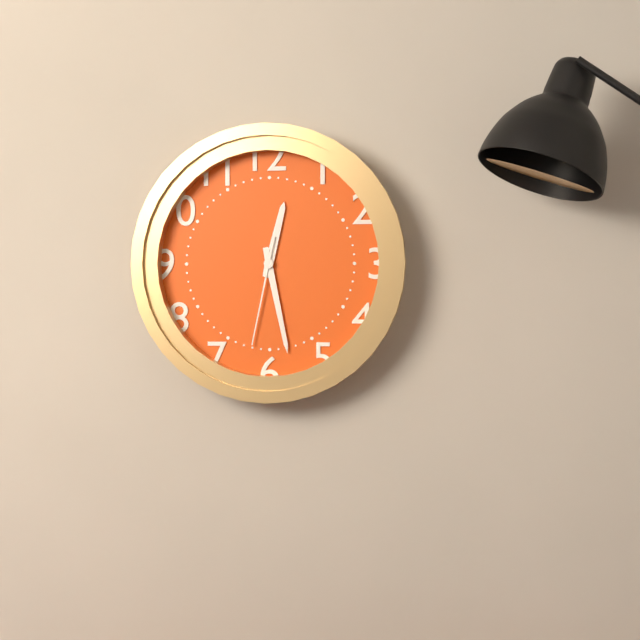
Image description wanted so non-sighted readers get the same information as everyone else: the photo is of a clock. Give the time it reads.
12:28:32
